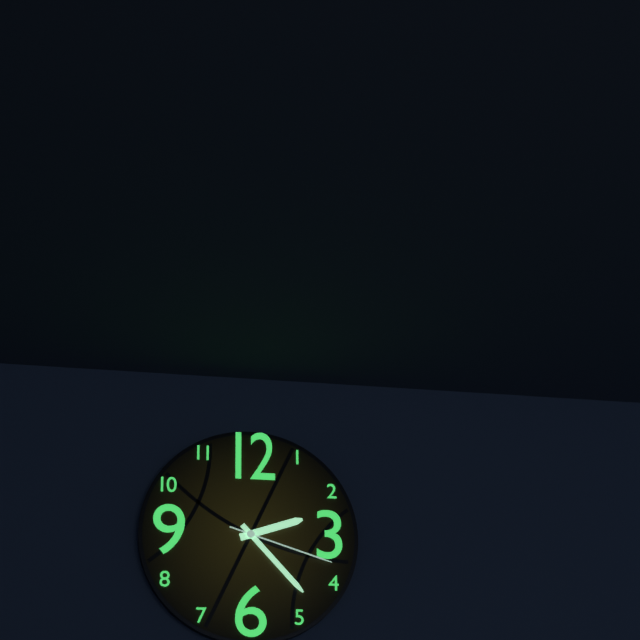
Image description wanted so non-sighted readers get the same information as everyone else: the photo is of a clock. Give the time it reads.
2:23:18
